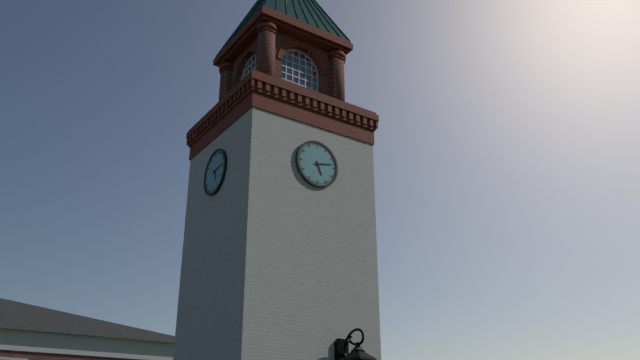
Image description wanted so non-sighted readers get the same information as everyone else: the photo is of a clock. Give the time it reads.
5:13
